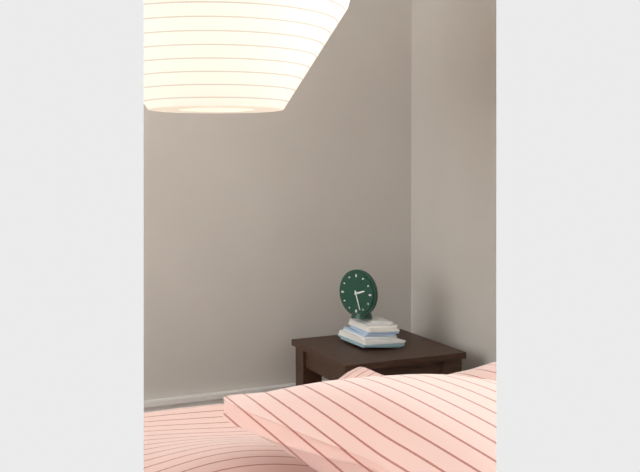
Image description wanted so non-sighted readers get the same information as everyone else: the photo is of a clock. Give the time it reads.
2:27
